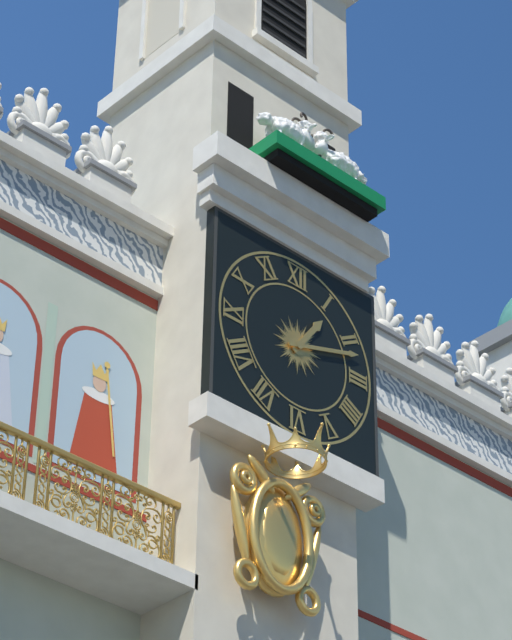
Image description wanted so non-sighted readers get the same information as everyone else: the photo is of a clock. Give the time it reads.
1:12
